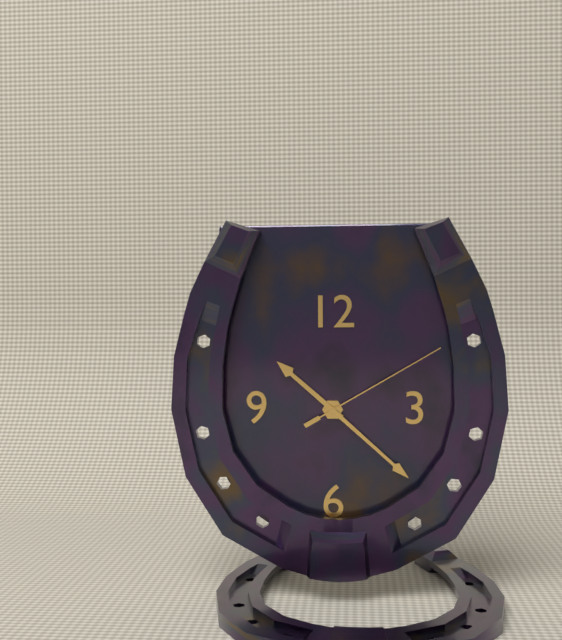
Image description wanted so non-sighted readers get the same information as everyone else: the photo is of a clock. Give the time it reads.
10:22:10
